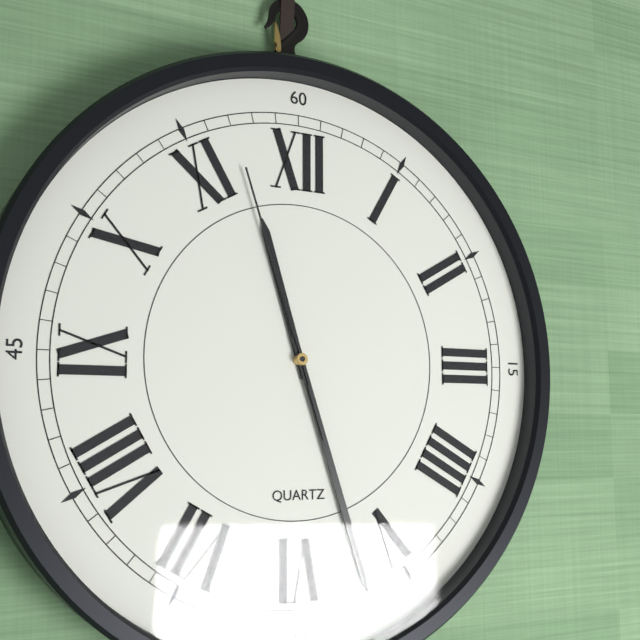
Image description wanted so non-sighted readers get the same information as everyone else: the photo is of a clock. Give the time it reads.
11:27:57
